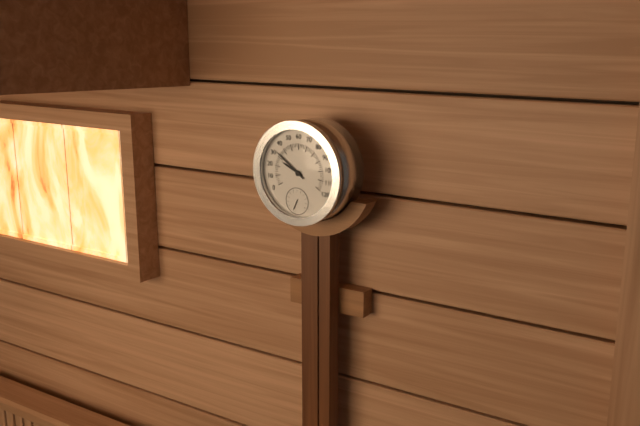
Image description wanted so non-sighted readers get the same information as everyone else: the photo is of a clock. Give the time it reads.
9:51
